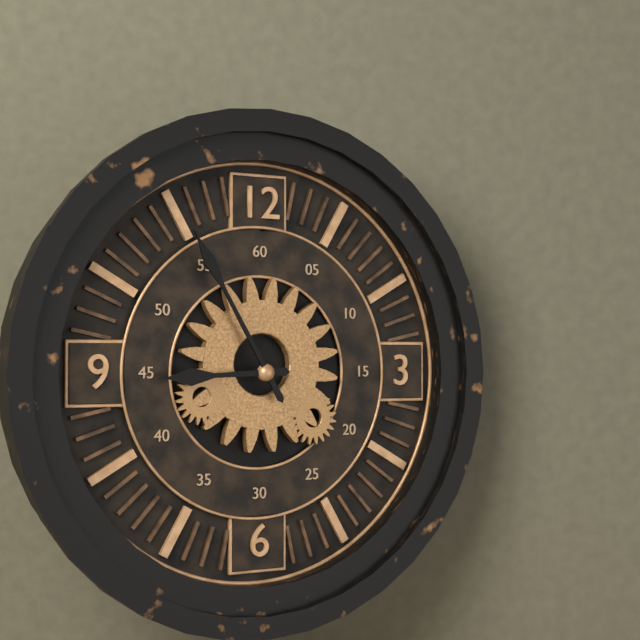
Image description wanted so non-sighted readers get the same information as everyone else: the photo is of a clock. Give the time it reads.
8:55
